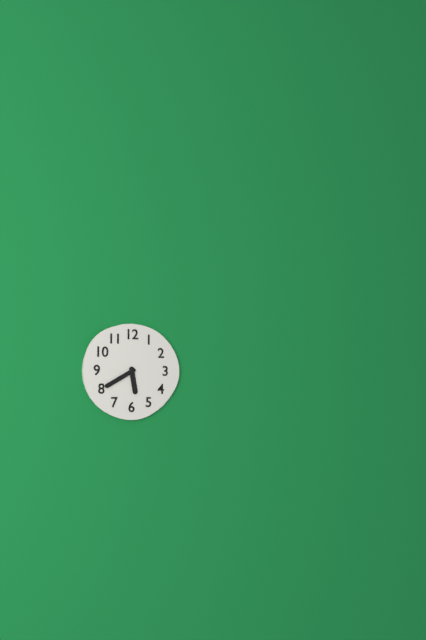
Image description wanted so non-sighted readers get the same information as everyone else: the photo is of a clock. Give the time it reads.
5:40
